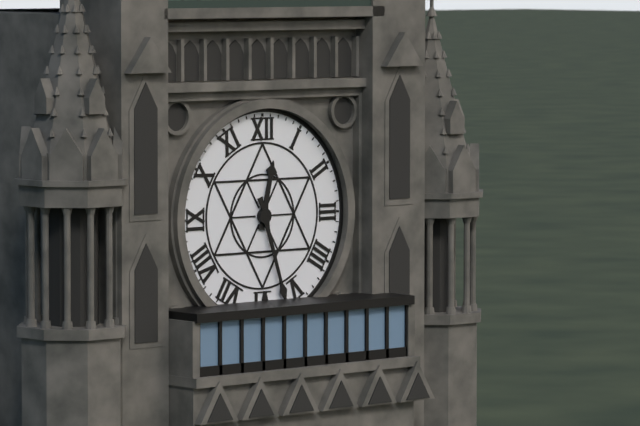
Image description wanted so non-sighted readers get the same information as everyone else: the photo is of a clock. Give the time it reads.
12:27
